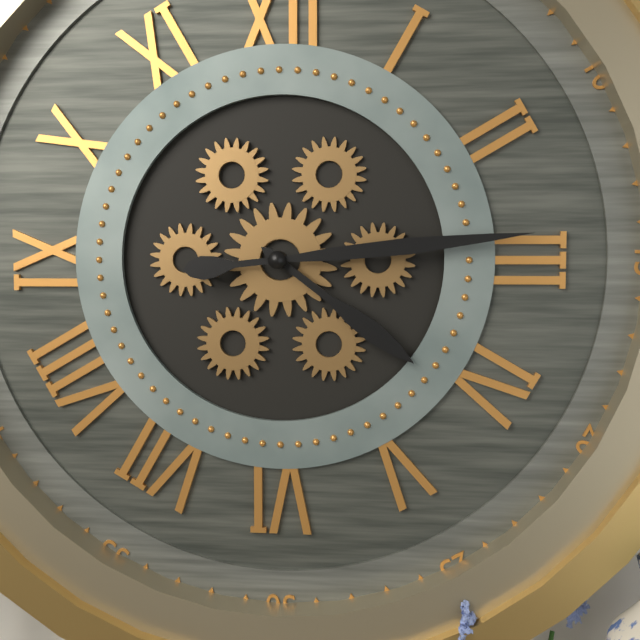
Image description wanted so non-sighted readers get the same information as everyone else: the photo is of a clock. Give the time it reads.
4:14
